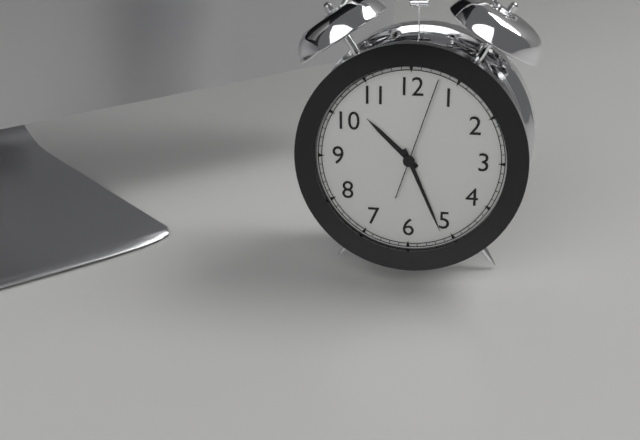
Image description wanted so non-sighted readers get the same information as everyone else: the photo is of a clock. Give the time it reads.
10:26:03
